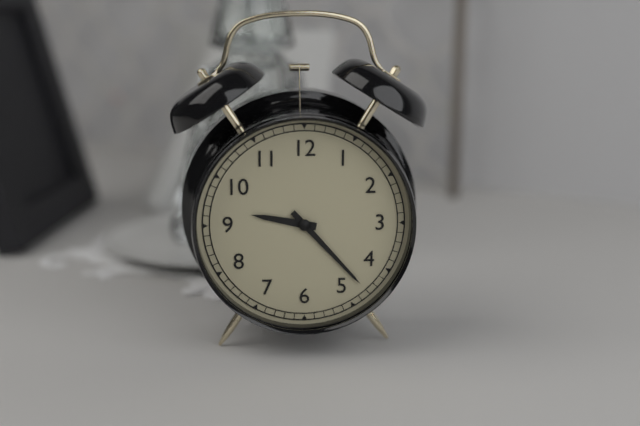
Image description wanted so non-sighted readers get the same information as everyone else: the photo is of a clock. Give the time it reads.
9:23
